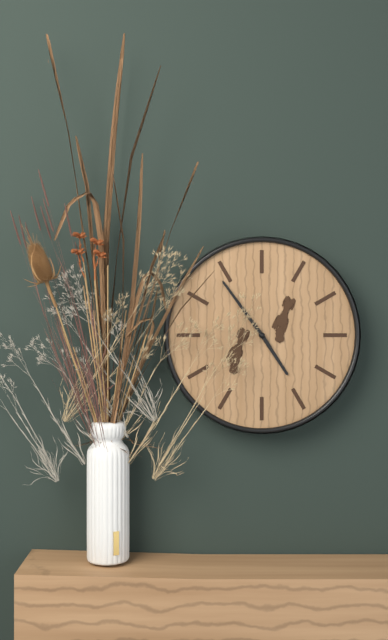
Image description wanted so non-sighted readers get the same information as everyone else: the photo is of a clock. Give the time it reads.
4:54
